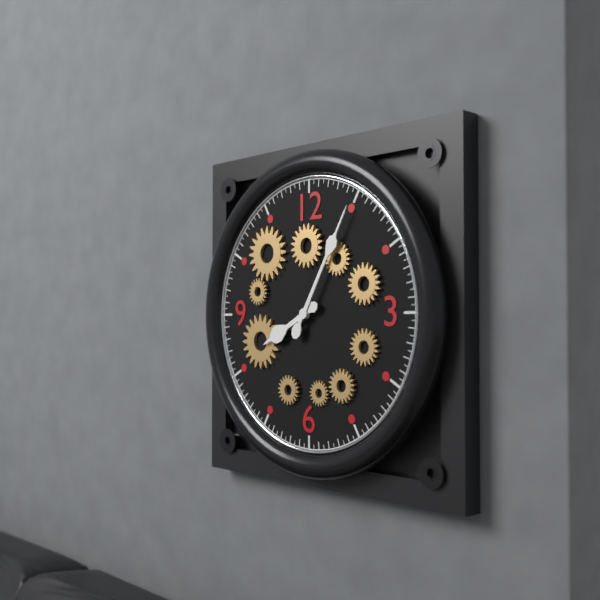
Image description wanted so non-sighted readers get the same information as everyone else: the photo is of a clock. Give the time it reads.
8:05
